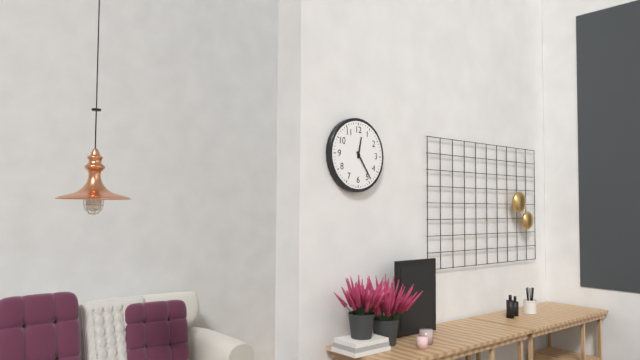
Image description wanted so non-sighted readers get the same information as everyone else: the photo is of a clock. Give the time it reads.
12:24
